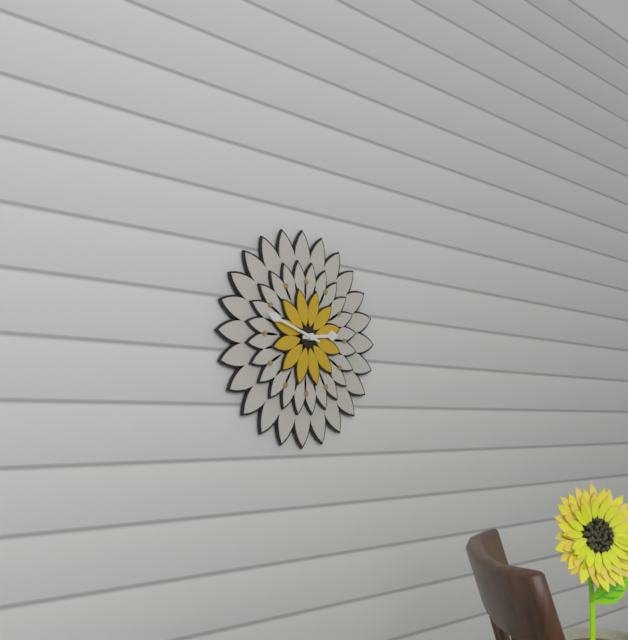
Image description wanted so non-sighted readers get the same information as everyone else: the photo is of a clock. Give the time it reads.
2:48
